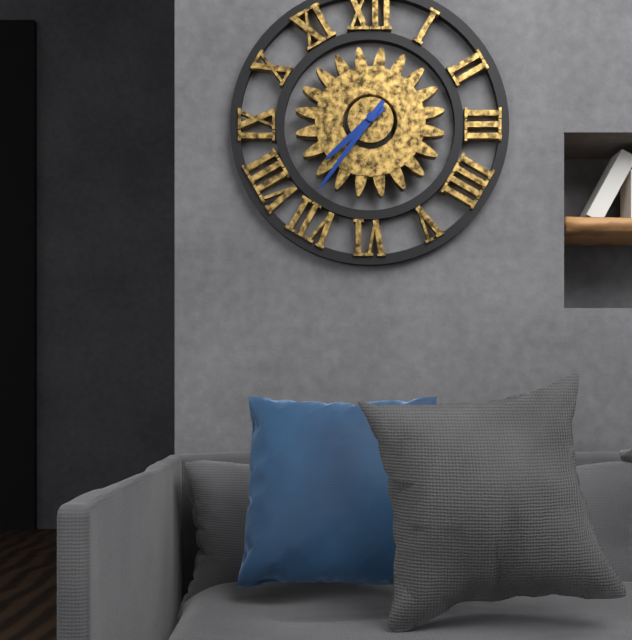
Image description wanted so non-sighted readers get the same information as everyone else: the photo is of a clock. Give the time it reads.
7:36
